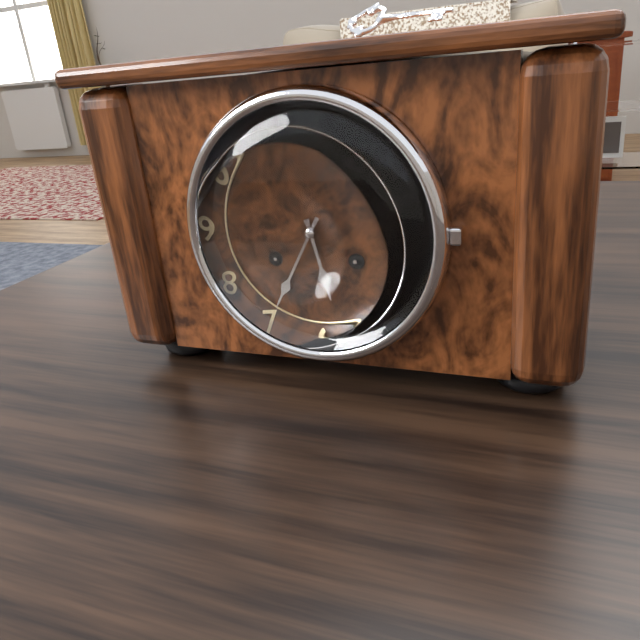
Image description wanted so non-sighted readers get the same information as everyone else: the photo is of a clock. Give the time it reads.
5:35
